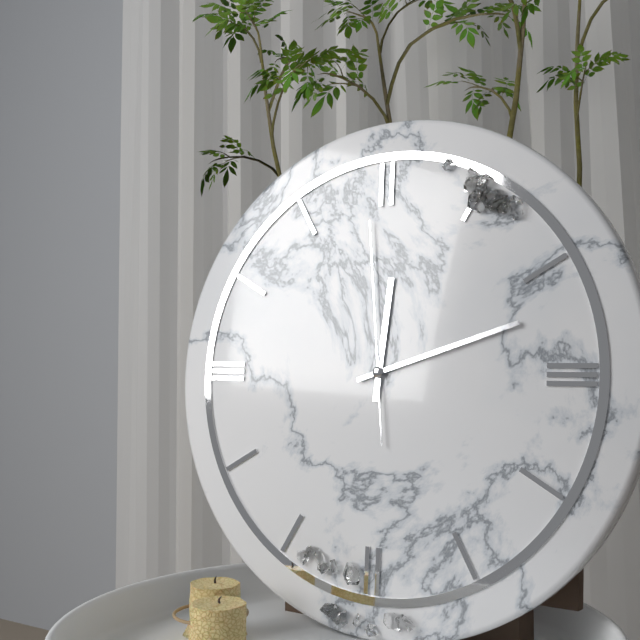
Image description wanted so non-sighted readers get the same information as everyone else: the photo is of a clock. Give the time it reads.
12:12:59
